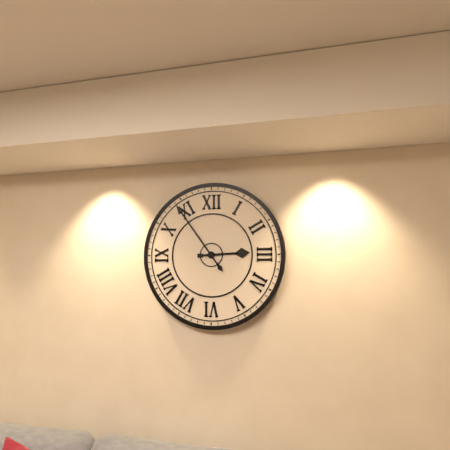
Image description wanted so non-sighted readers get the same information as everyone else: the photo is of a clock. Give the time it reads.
2:54
